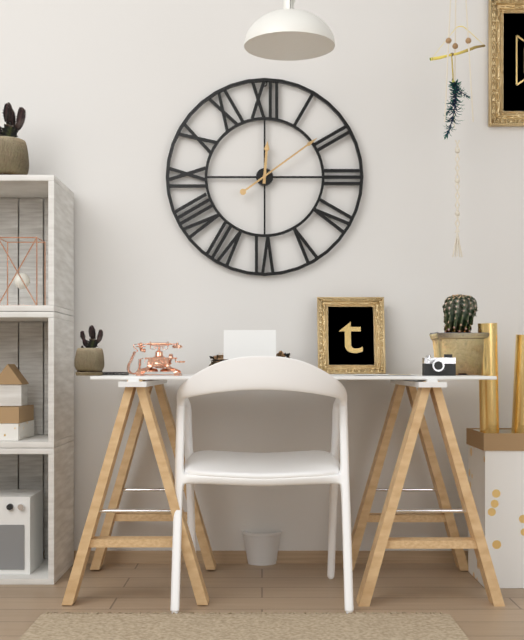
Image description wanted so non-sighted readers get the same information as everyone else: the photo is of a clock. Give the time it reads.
12:09
